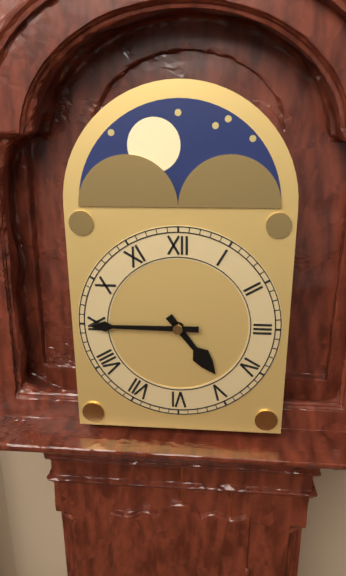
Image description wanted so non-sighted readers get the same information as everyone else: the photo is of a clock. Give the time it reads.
4:45
